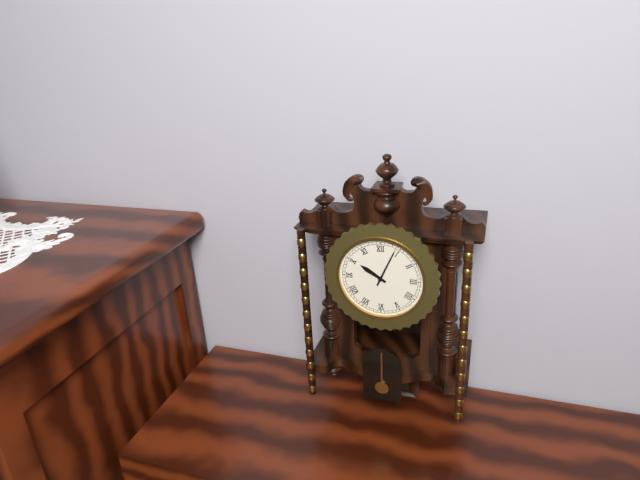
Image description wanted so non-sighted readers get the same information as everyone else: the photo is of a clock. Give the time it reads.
10:04
